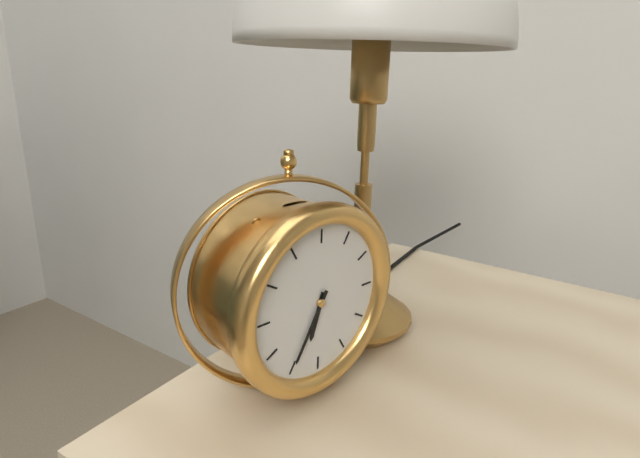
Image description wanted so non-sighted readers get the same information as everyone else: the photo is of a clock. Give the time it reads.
6:35
